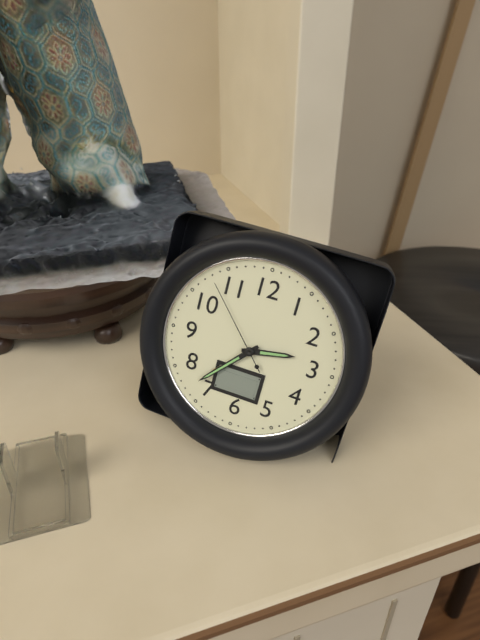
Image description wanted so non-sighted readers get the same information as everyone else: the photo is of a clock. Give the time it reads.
2:37:53
